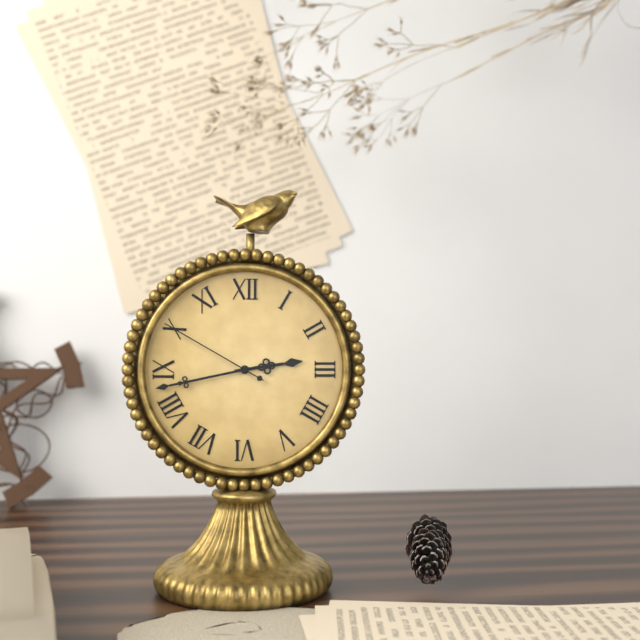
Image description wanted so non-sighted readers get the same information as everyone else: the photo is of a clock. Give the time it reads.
2:43:50
